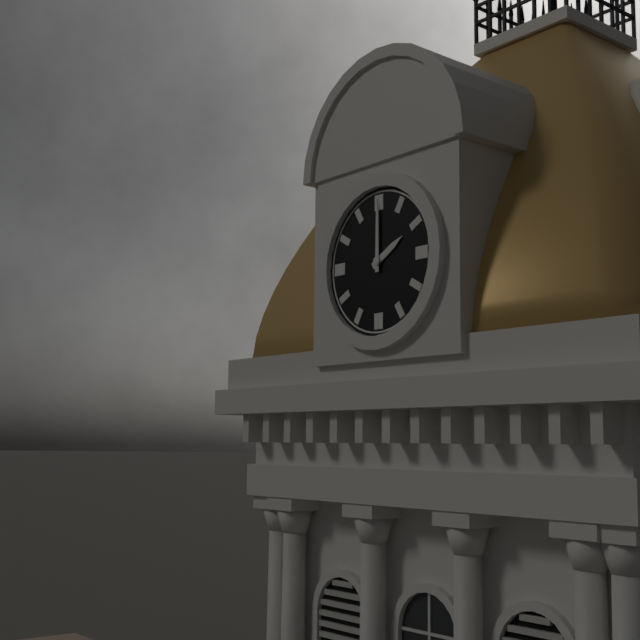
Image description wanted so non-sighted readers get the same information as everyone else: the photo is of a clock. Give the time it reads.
2:00
